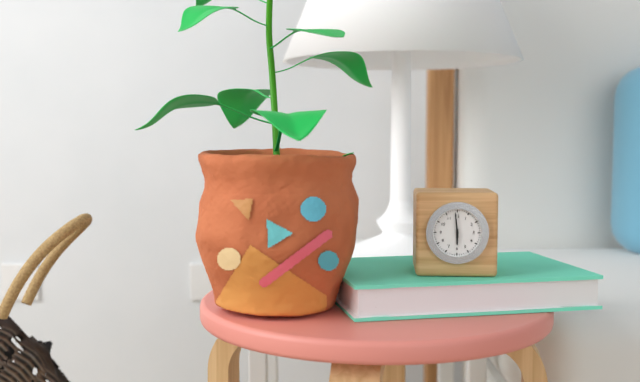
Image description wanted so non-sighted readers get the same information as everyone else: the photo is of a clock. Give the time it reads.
5:59
